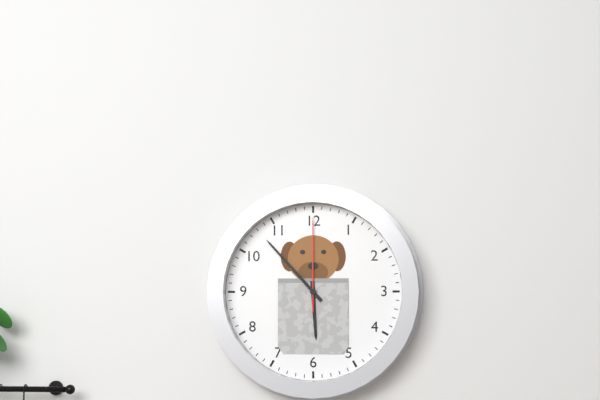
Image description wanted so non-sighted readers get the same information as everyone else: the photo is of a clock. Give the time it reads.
5:53:00
